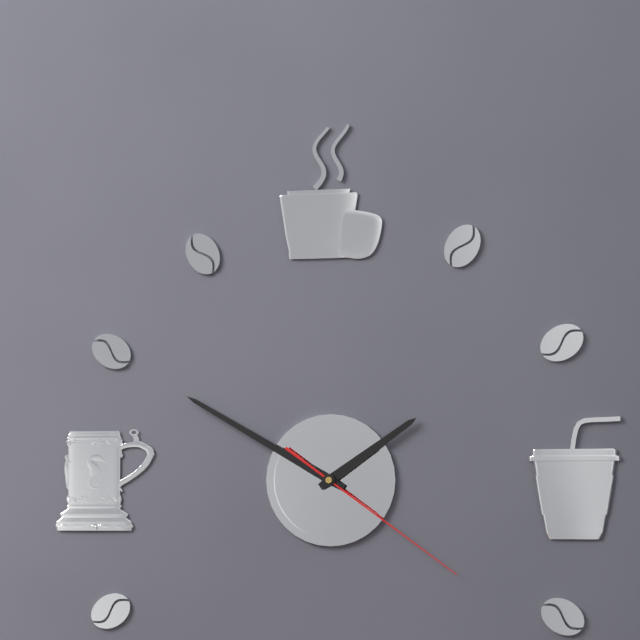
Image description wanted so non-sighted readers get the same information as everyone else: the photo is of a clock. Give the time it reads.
1:50:21
